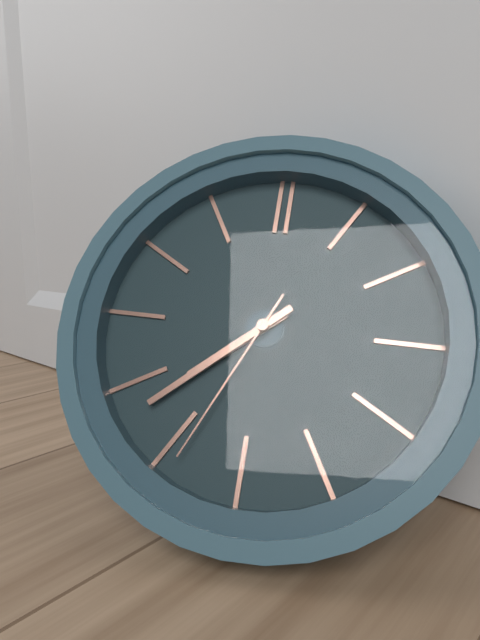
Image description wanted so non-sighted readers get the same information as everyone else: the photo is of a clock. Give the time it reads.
7:38:34
